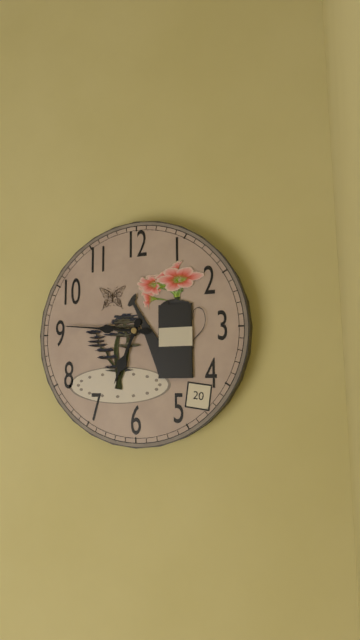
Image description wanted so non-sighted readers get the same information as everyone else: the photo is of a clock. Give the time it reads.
6:46
